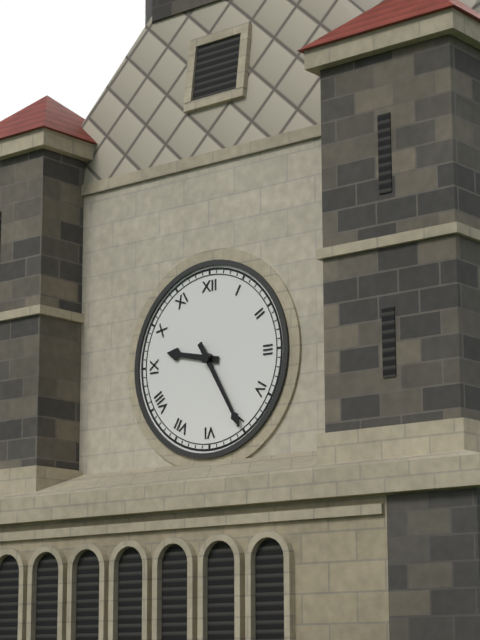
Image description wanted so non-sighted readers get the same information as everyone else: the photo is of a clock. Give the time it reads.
9:25
